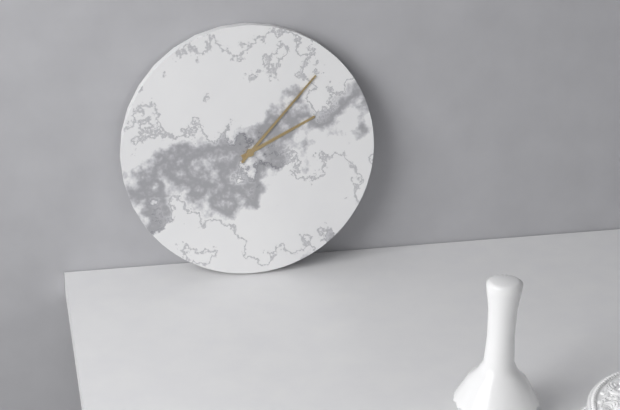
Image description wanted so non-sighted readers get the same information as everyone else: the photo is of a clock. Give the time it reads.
2:07
